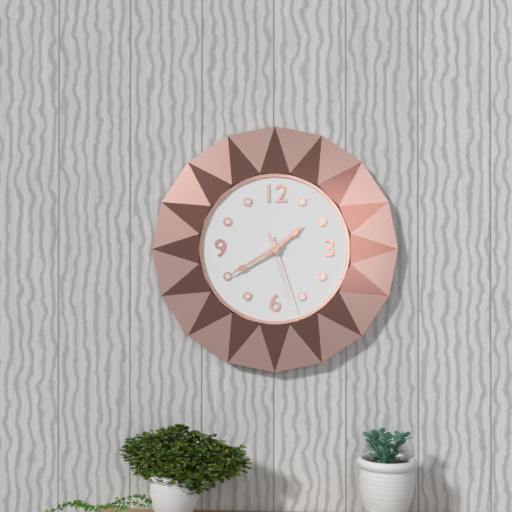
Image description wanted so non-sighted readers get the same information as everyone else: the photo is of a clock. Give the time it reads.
1:40:27
